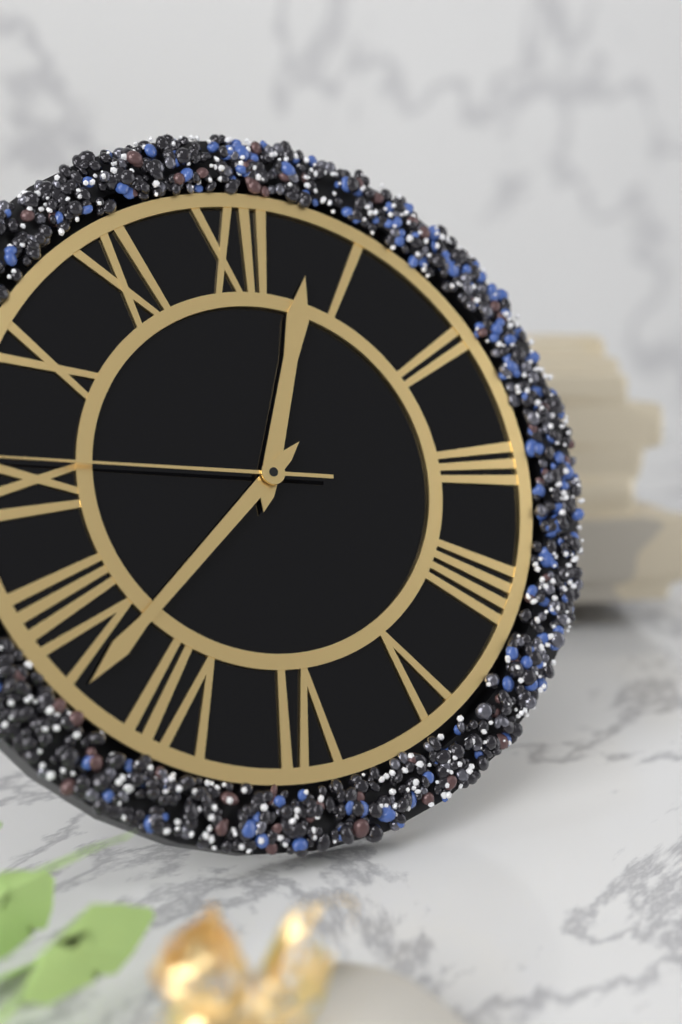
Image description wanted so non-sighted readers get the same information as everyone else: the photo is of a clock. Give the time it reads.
12:38
